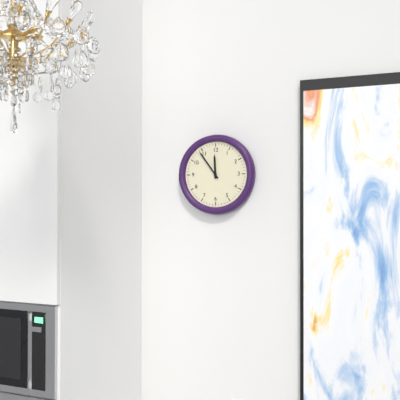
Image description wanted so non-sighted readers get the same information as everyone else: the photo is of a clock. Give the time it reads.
11:54
